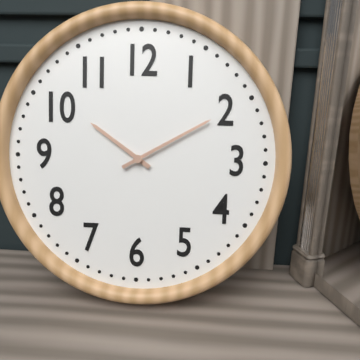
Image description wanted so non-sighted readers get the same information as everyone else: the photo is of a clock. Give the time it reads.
10:10
